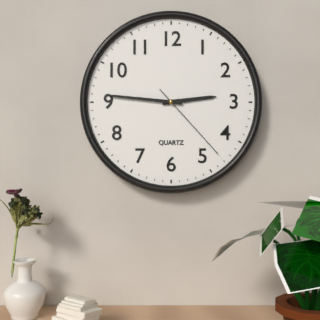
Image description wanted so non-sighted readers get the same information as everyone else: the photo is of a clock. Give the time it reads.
2:46:23
